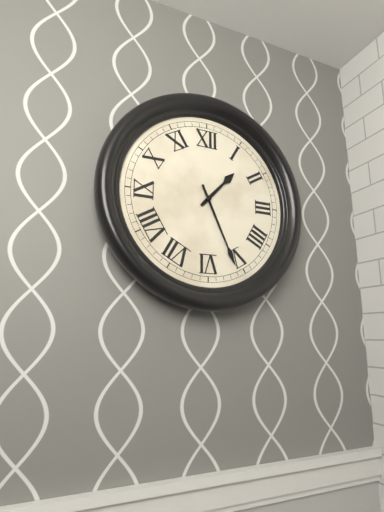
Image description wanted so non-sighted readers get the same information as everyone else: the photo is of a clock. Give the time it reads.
1:26
